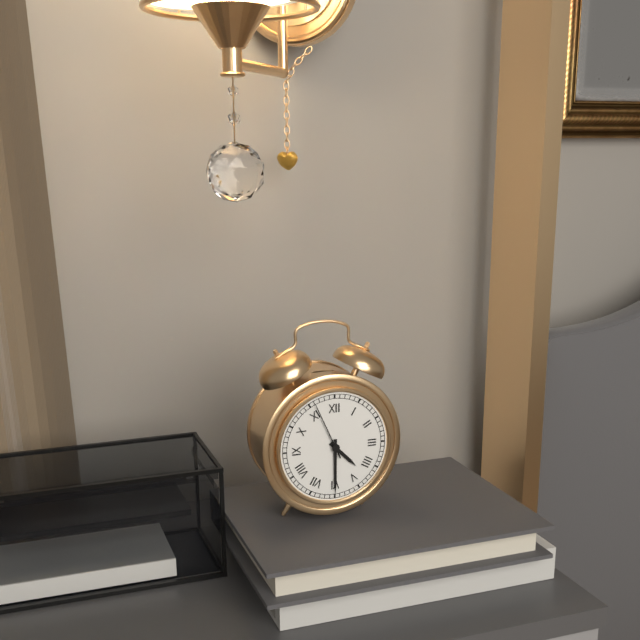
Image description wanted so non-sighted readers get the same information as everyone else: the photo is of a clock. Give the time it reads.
4:30:56
